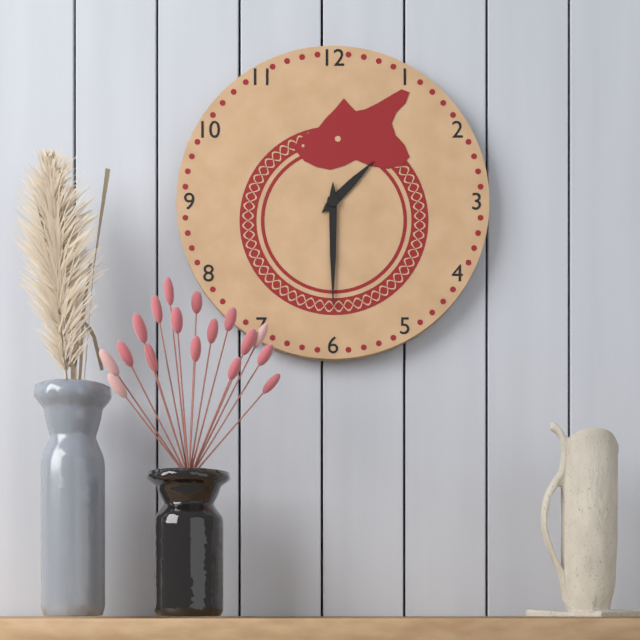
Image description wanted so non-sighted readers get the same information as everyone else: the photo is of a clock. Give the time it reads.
1:30
